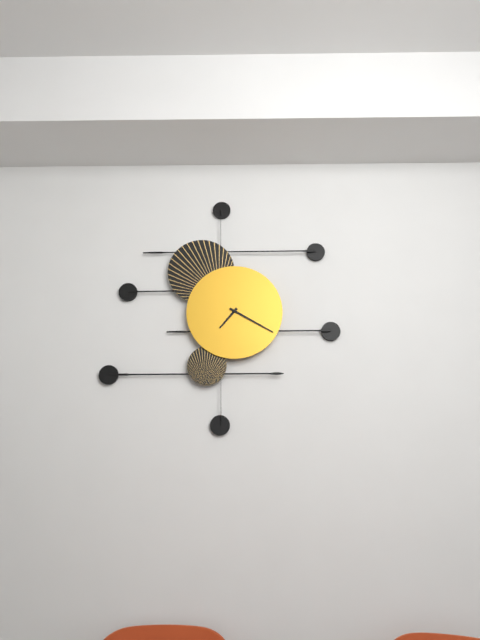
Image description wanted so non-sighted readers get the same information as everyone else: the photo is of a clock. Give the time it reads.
7:20
